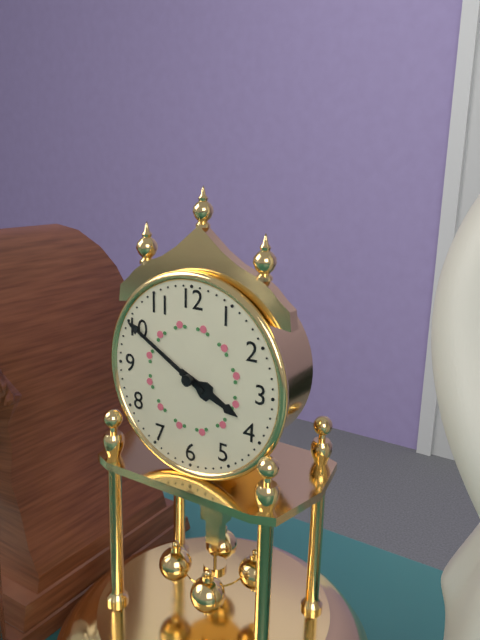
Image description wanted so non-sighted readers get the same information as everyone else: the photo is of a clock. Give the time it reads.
3:50
